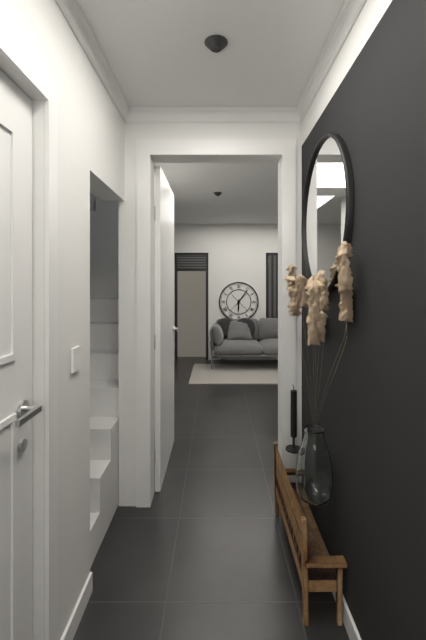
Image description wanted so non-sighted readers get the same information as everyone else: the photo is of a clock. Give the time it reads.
6:06
